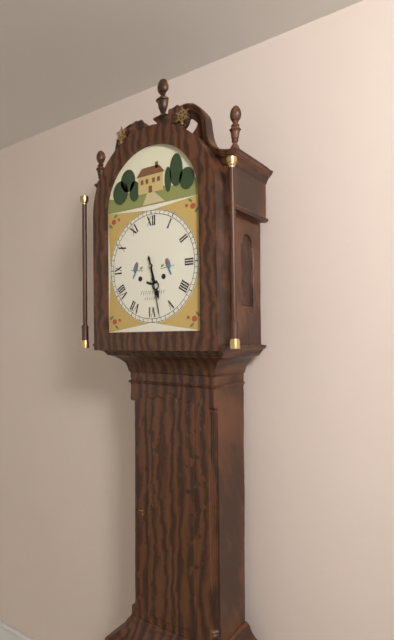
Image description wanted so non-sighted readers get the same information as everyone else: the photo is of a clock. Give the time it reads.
5:28
